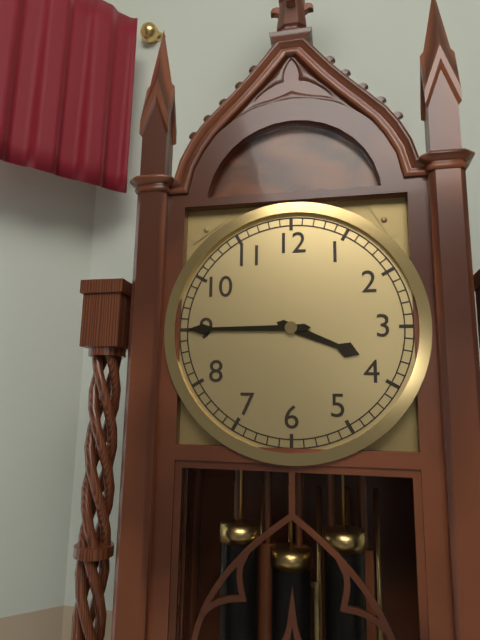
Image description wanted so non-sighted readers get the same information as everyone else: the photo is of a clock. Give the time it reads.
3:45
